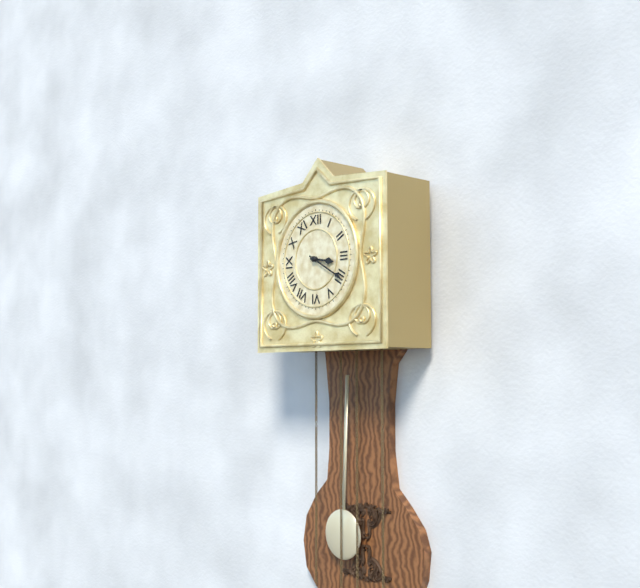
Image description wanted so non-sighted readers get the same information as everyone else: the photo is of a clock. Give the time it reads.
3:20
